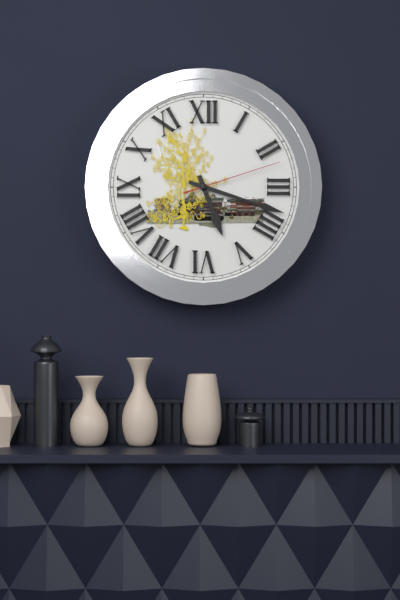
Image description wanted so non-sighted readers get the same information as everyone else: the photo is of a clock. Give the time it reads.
5:18:12
